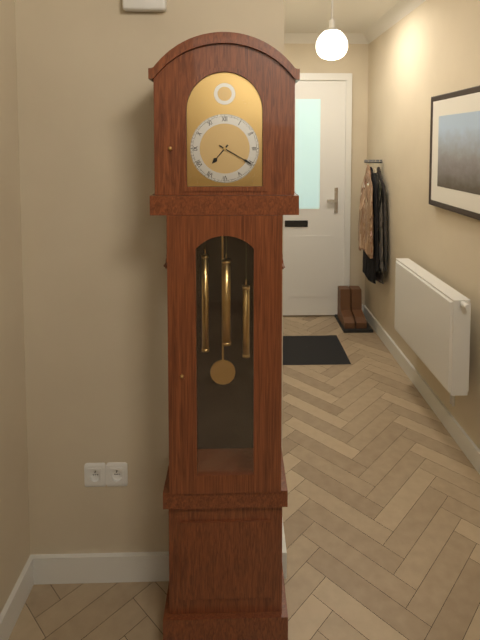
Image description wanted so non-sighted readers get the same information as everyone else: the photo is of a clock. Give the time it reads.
7:20
